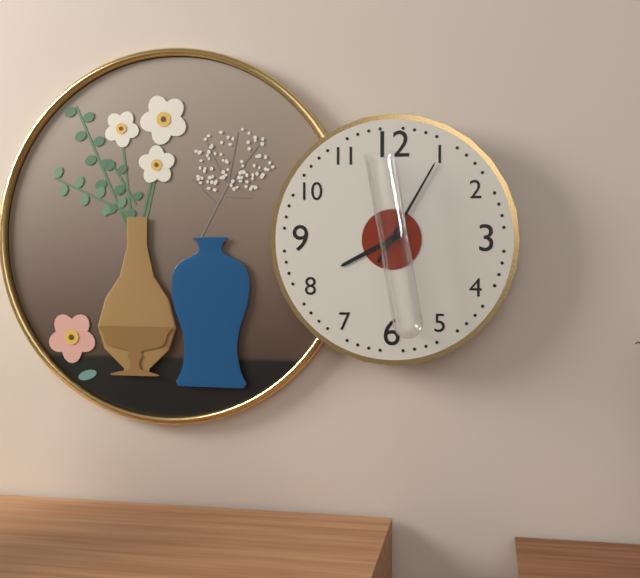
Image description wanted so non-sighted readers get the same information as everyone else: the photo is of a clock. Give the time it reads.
8:05
